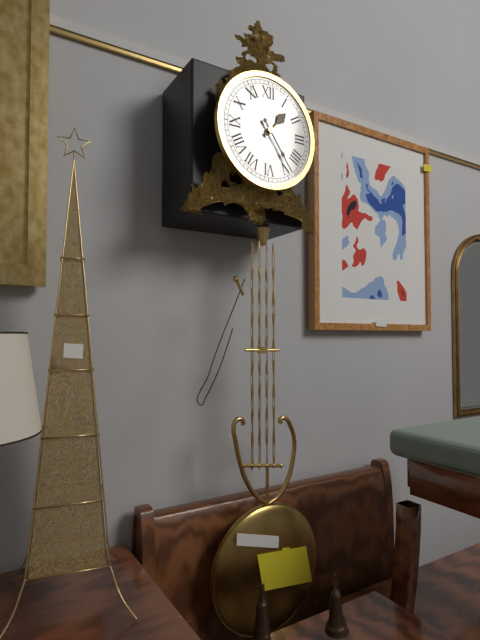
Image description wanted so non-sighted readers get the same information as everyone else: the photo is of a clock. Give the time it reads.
1:24
